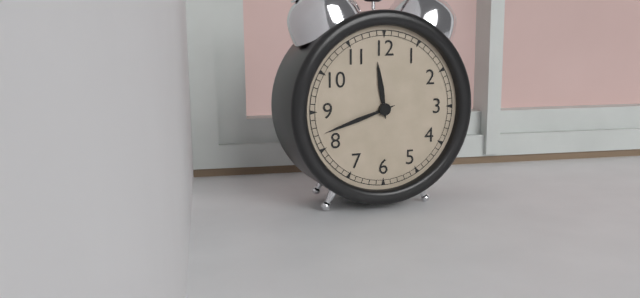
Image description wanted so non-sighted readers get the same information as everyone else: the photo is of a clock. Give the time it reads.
11:42
